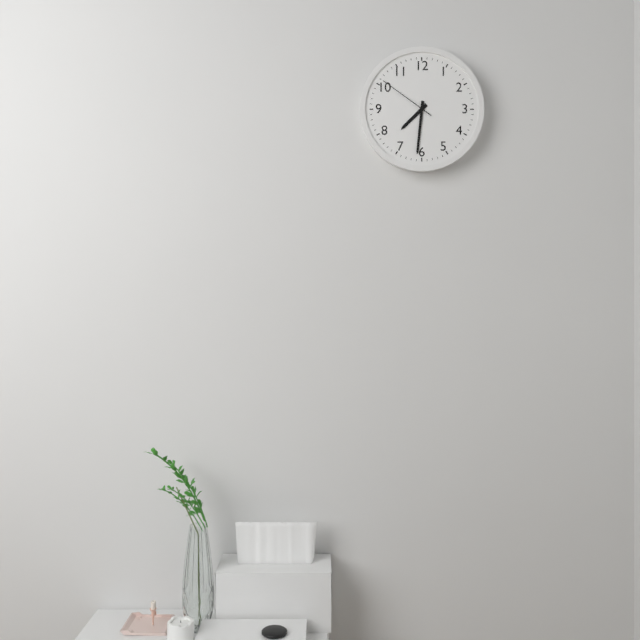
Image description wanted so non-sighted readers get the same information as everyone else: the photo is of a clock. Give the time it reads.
7:31:51
